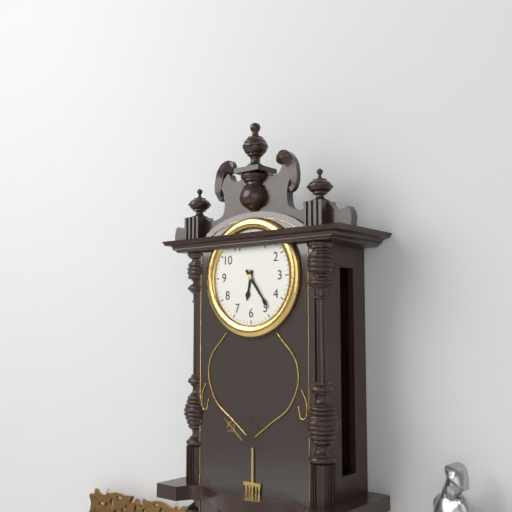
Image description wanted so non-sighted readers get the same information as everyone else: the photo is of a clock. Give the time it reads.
6:24
